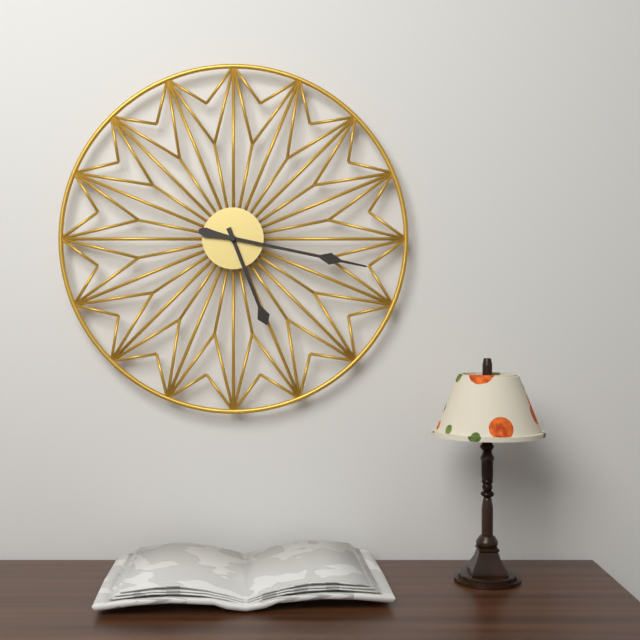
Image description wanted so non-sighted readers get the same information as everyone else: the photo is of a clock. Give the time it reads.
5:17
